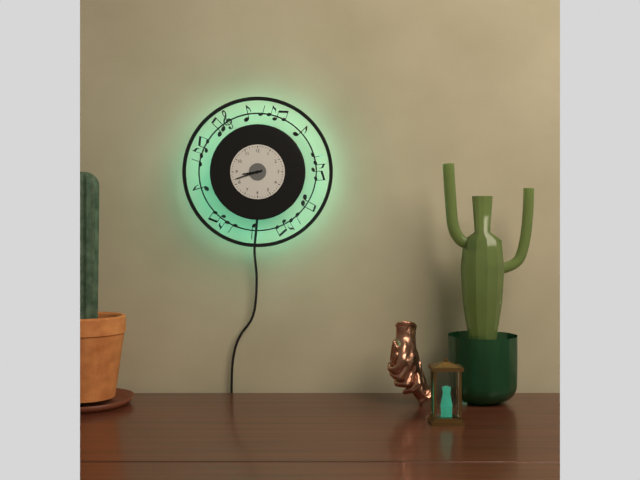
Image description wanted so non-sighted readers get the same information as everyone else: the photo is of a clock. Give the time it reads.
8:42
